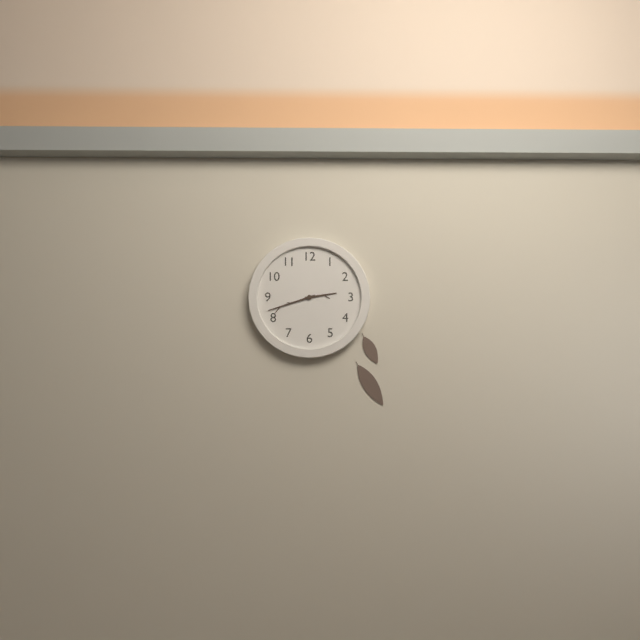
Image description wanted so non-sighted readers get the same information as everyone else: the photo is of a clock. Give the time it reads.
2:42
